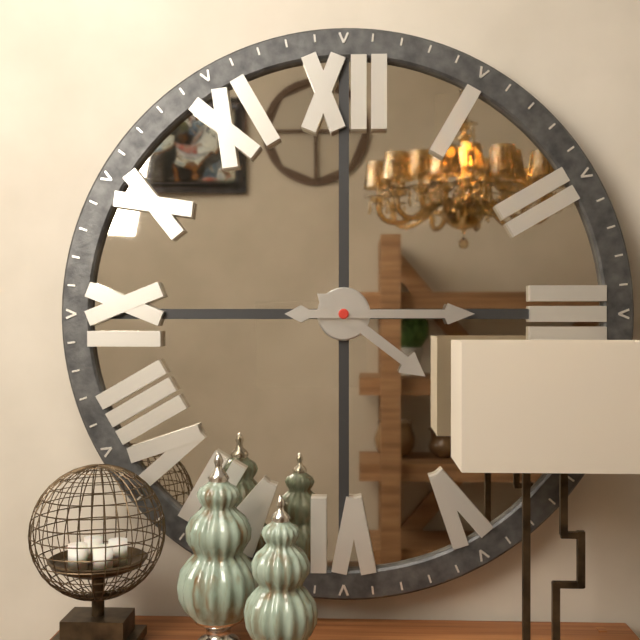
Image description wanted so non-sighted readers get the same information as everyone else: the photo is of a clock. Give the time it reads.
4:15
